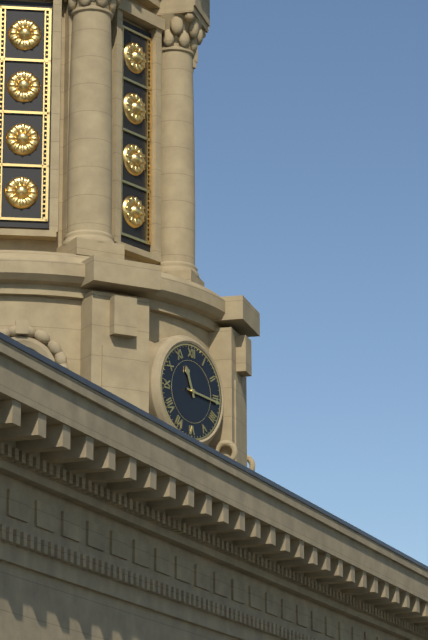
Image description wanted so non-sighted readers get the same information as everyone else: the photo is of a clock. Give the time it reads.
11:16
